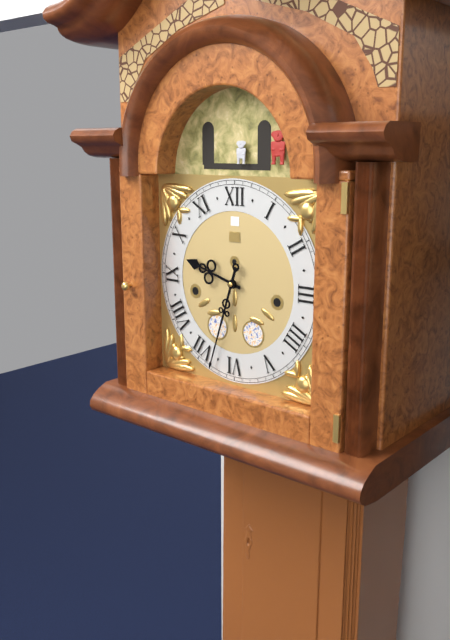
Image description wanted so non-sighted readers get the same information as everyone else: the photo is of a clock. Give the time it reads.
9:33
